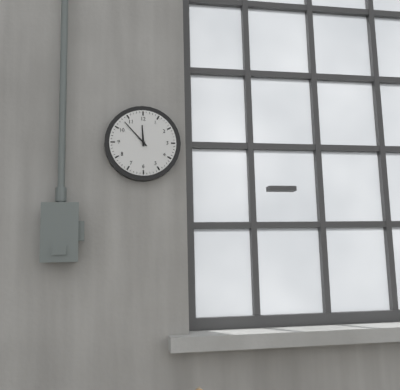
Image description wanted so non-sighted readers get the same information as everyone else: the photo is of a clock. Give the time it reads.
11:53
